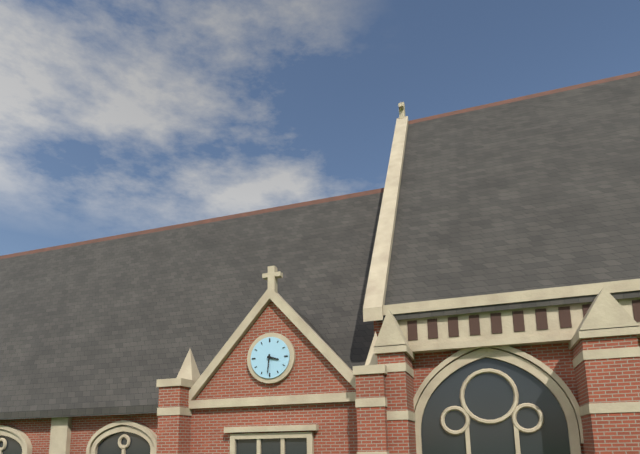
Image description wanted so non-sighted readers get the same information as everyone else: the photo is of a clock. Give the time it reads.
3:31
